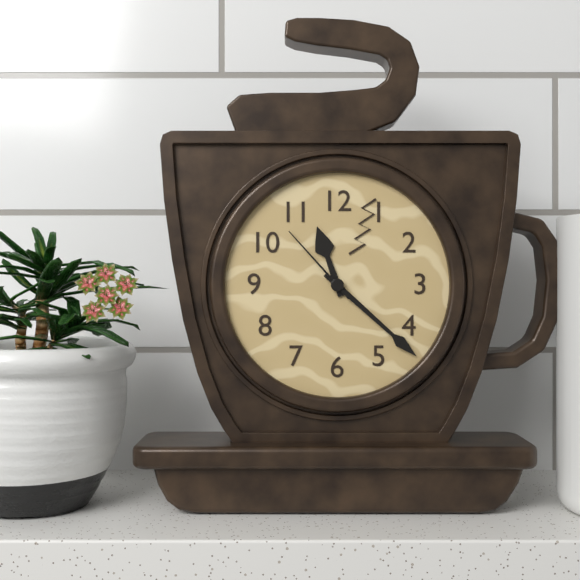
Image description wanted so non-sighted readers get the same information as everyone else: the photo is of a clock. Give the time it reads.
11:22:53
